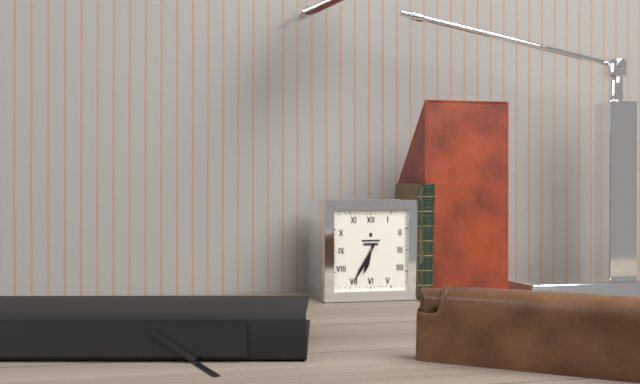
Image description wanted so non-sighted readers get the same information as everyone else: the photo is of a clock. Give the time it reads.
6:35
